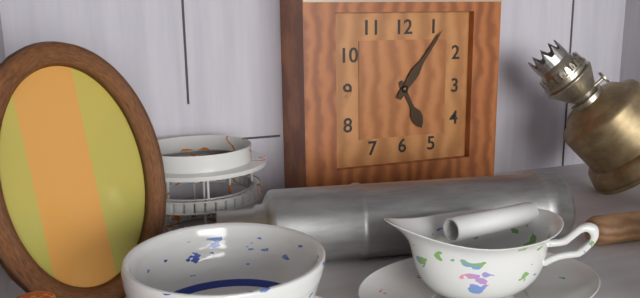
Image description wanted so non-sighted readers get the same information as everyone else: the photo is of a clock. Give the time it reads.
5:06
